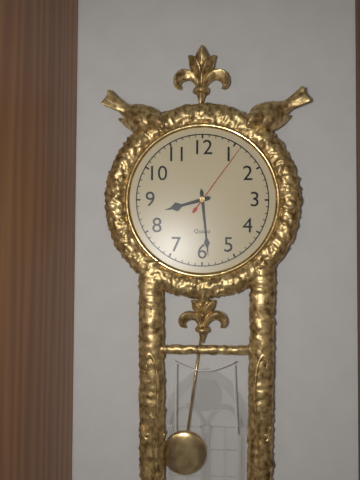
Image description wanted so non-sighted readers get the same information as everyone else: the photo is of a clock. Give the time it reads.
8:29:06
